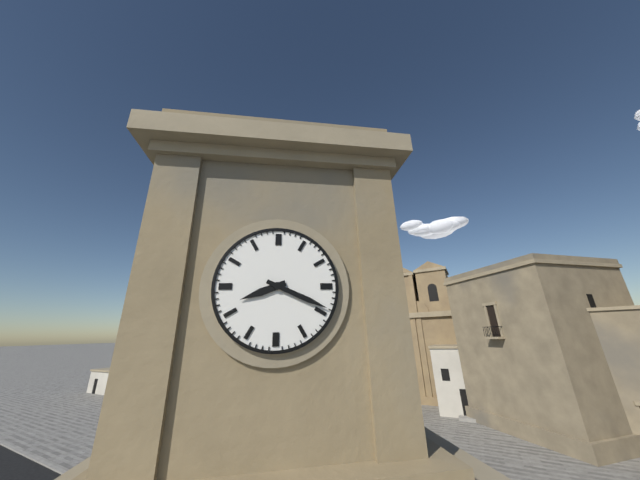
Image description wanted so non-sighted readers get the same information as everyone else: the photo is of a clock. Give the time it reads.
8:19
